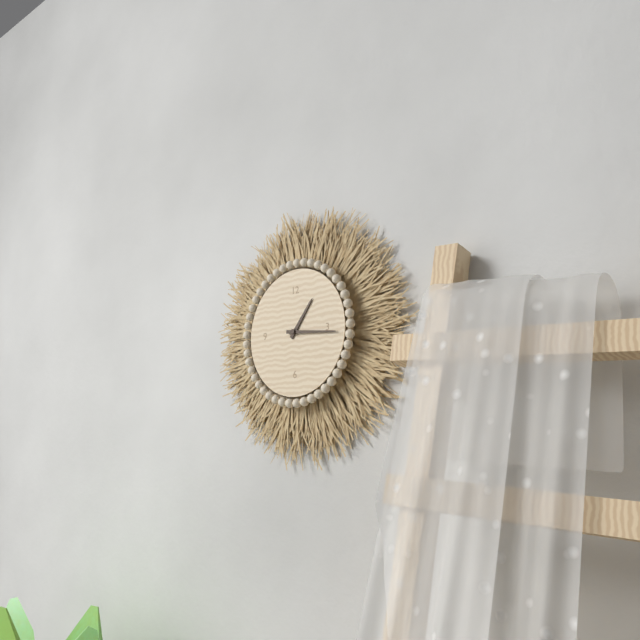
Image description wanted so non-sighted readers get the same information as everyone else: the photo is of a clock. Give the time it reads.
1:16
